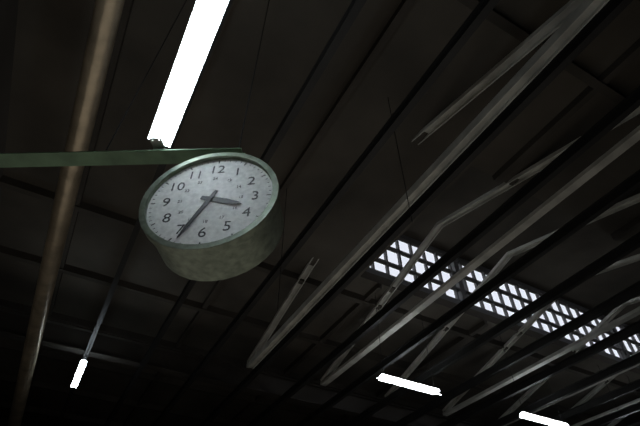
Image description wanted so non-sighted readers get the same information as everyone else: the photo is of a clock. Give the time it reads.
3:34
